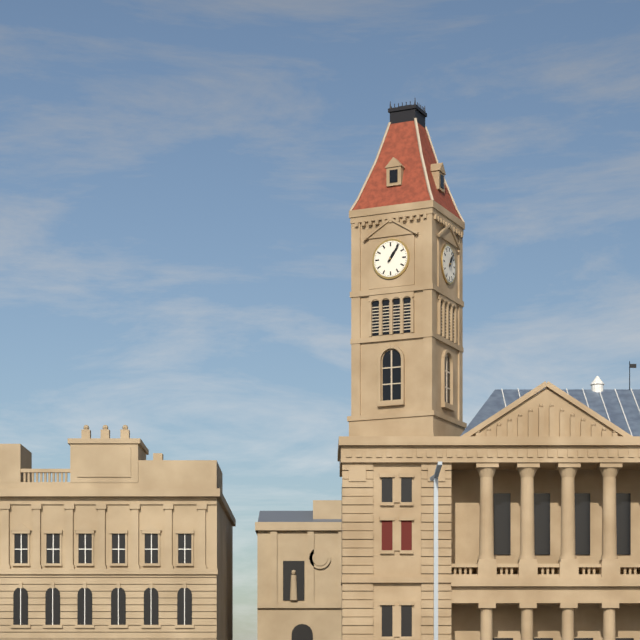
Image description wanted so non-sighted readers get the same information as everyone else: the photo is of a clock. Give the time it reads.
1:06
